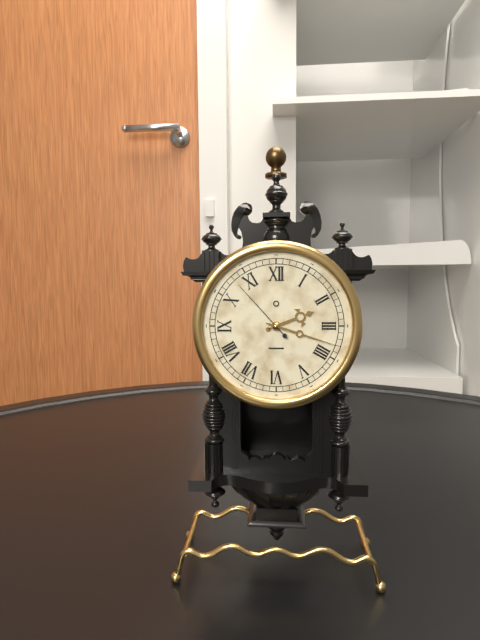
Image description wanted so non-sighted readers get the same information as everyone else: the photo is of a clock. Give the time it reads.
2:18:53
